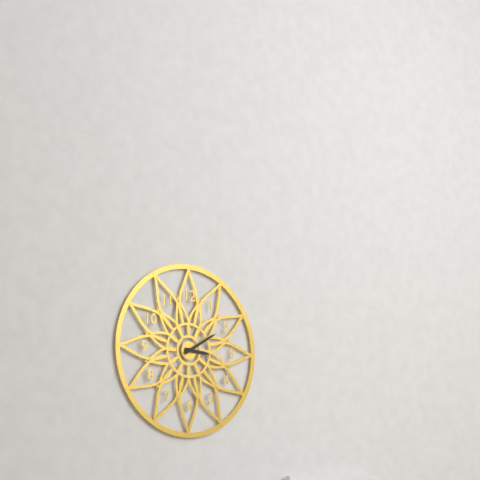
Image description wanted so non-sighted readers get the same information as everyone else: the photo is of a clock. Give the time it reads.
3:10
